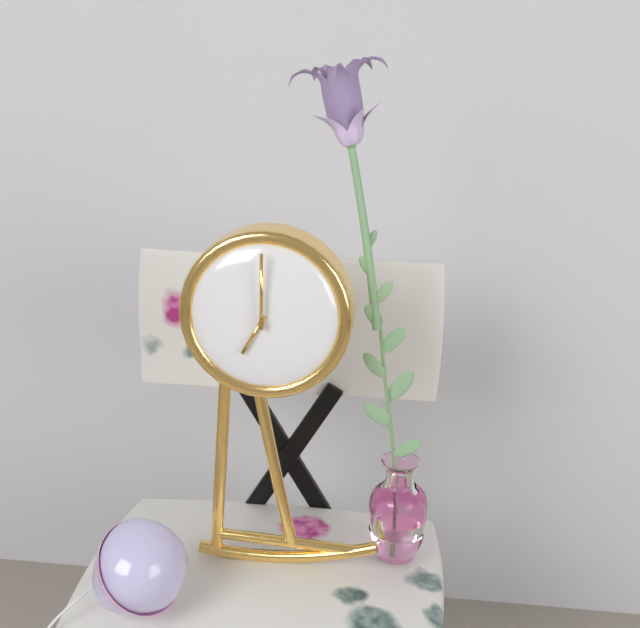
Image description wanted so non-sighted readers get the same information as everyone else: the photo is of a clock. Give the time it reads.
7:00
